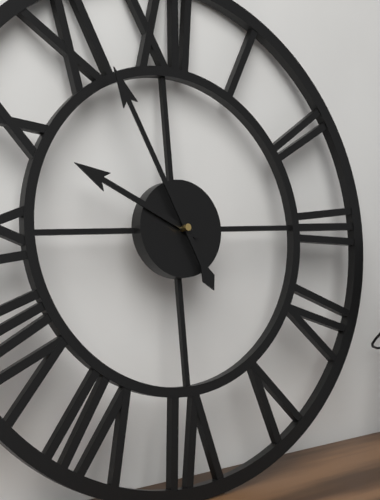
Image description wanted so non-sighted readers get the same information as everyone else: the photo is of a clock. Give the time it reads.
9:56
